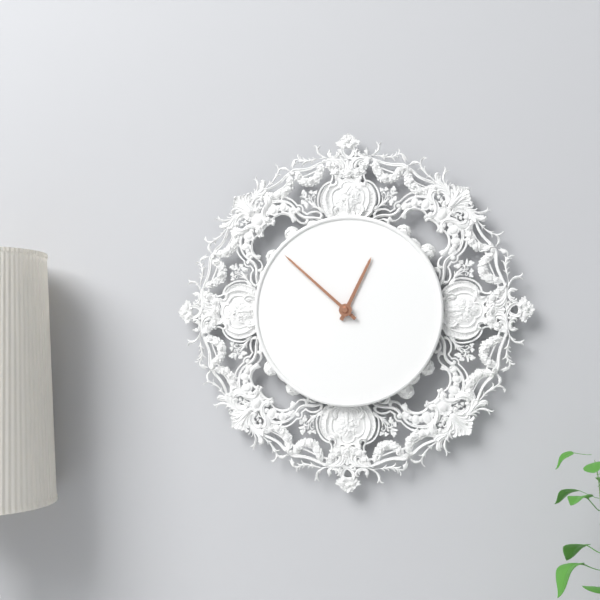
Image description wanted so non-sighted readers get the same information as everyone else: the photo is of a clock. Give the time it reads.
12:52
